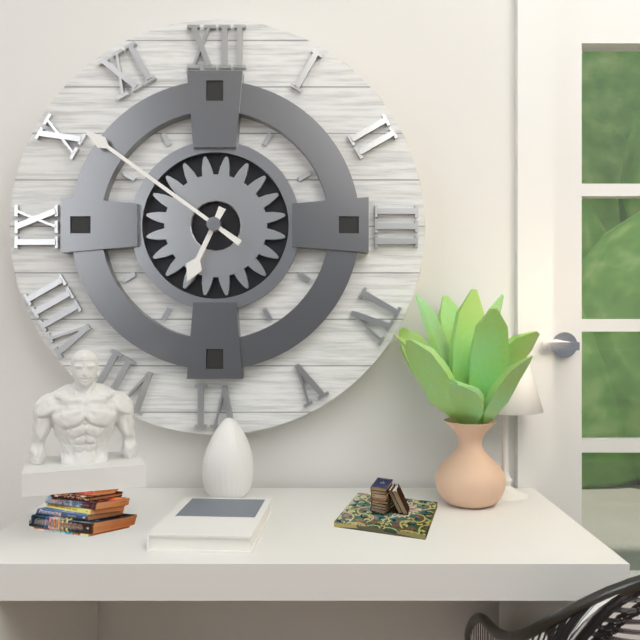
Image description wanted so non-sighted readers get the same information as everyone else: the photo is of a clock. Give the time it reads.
6:51
